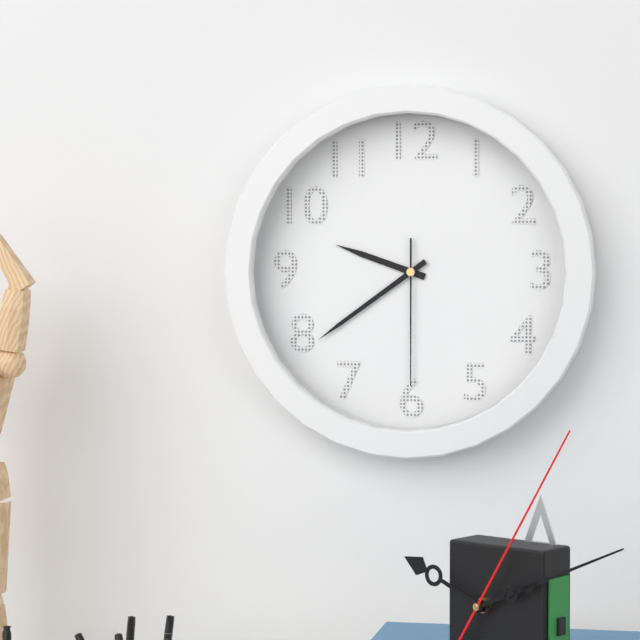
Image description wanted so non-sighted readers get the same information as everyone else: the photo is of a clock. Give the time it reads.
9:39:30
